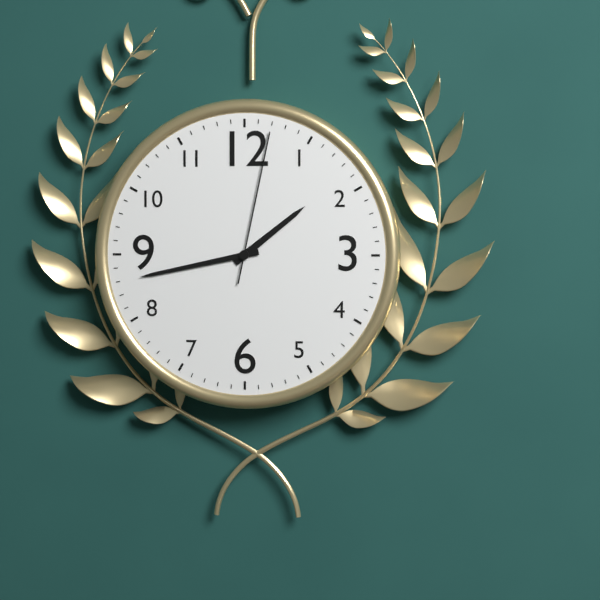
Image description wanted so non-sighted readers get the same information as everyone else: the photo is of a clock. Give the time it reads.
1:43:02
